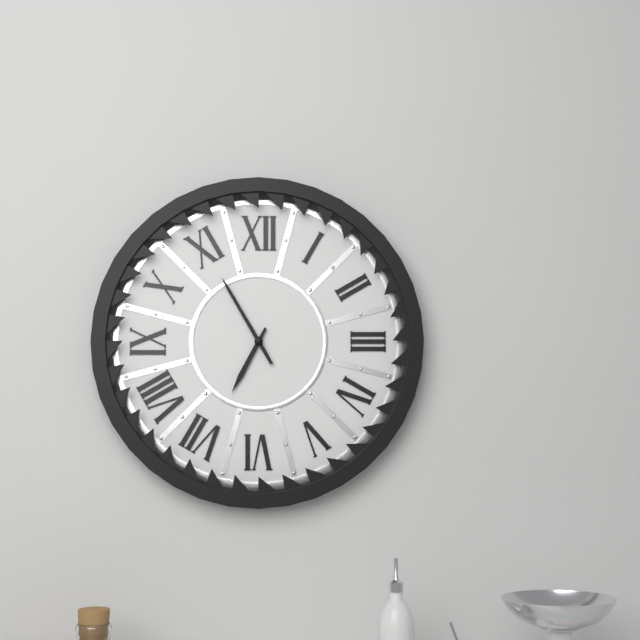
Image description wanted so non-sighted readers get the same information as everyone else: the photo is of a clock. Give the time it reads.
6:55
